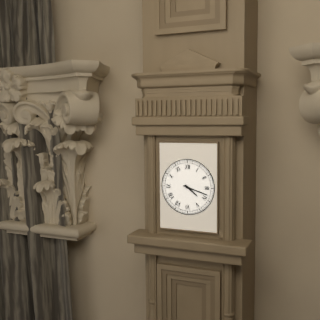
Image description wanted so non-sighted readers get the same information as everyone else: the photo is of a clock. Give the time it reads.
4:18
